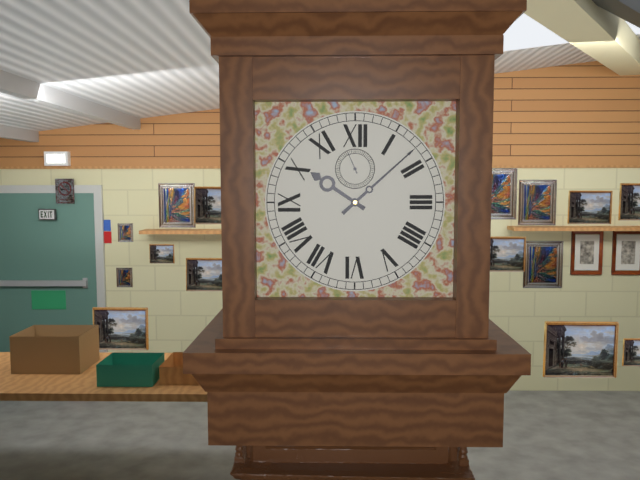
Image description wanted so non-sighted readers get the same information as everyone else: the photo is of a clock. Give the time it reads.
10:08
